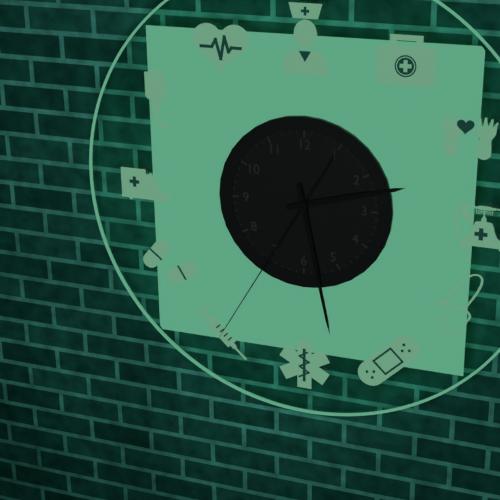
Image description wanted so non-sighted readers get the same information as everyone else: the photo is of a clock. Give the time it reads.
2:28:35
